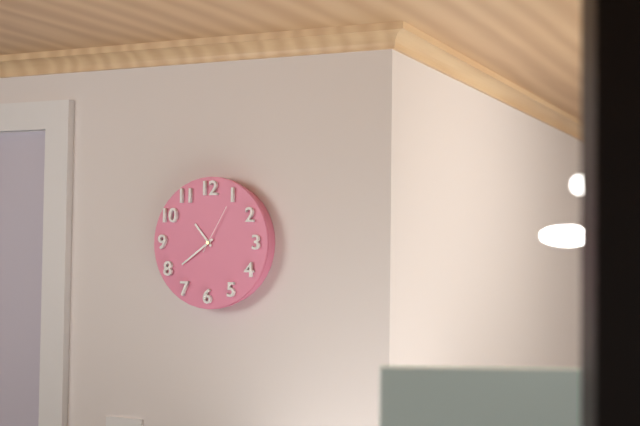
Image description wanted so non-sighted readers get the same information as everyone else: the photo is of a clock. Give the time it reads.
10:39:05
